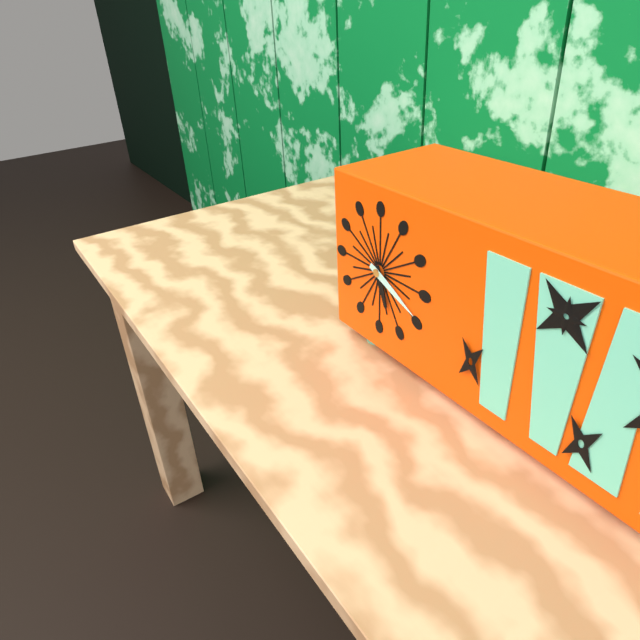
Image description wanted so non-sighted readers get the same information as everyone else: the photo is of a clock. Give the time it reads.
5:19
